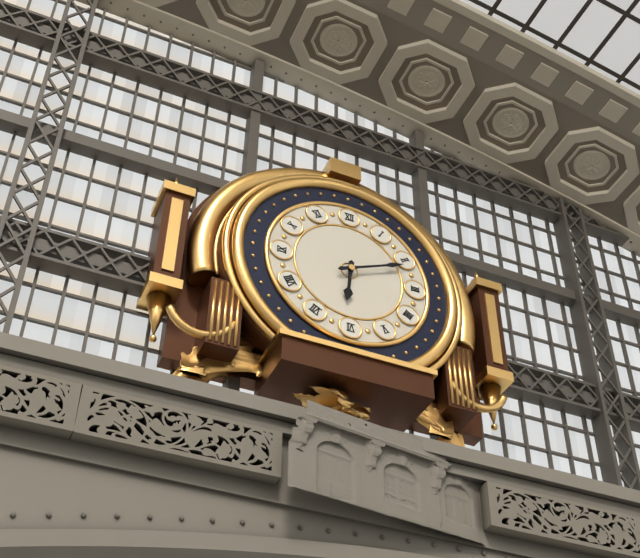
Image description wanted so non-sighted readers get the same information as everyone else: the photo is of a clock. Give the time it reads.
6:11
